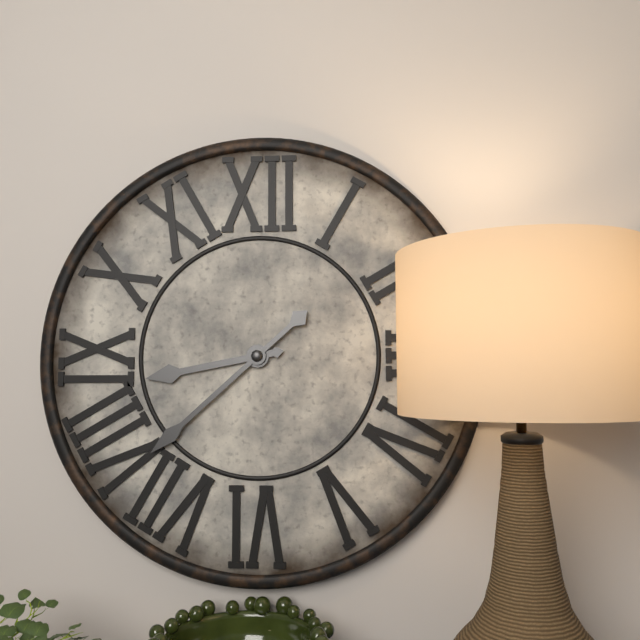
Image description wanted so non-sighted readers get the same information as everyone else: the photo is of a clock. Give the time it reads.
8:38
